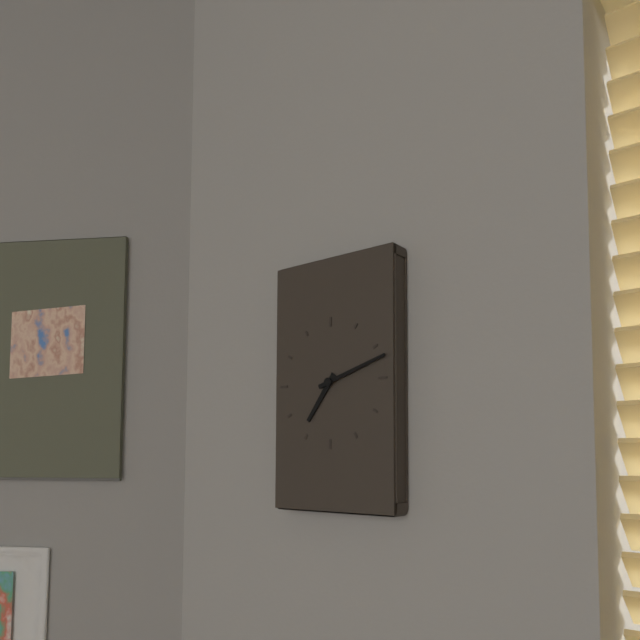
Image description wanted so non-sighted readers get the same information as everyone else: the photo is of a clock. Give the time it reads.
7:12
